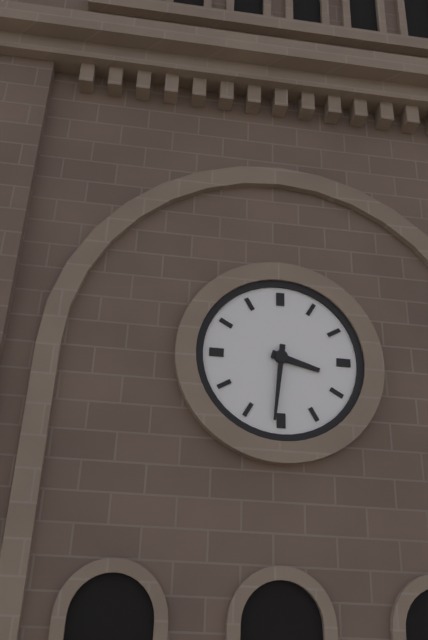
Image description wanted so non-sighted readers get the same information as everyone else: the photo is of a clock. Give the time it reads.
3:31
